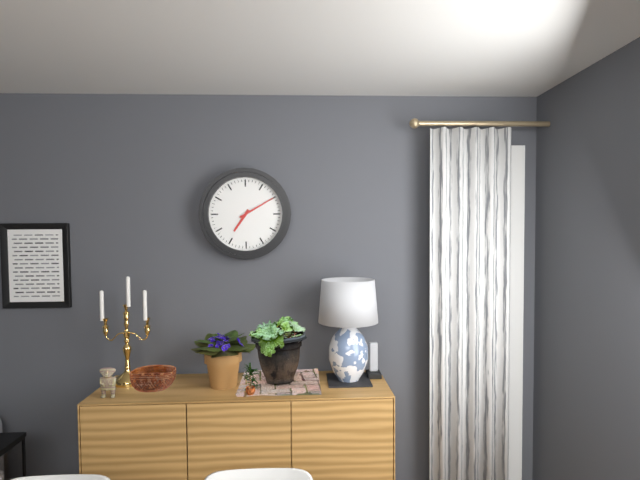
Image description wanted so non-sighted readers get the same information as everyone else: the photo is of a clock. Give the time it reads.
7:10
